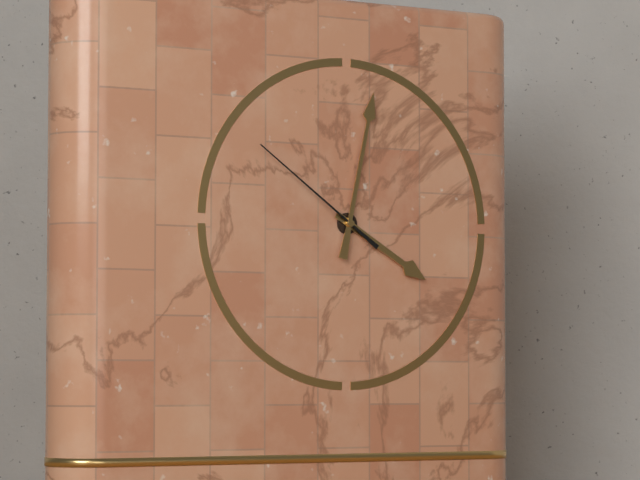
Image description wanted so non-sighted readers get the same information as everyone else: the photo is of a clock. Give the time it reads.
4:02:51
